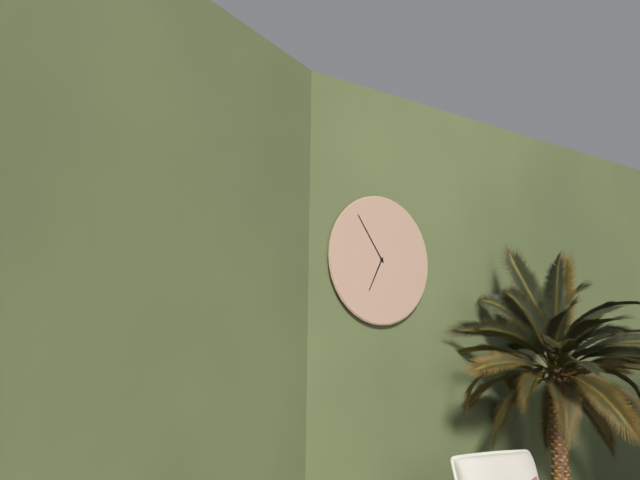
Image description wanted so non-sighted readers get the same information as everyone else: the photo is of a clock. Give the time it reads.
6:54
